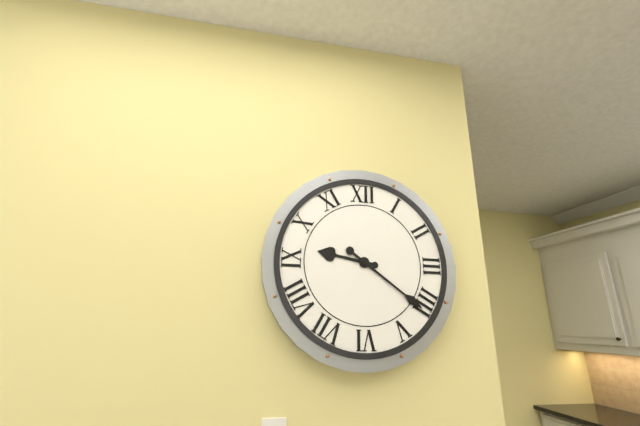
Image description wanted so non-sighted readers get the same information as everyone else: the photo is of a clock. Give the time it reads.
9:21
